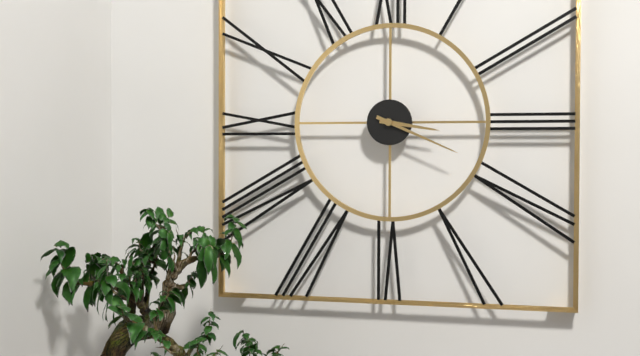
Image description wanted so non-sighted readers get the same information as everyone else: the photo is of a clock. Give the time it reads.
3:19
